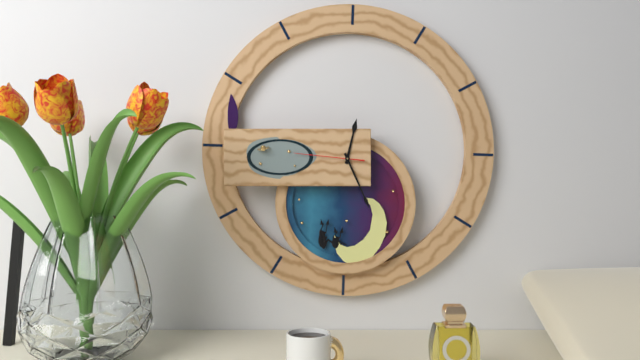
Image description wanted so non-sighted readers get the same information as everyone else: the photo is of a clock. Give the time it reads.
12:26:46
